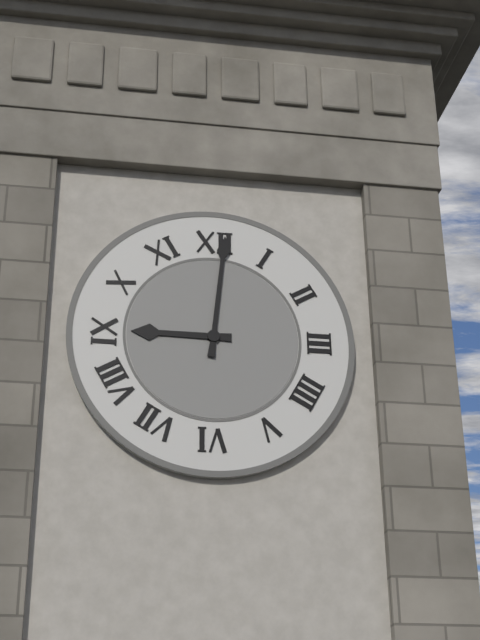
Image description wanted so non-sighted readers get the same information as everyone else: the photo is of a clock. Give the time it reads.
9:01
